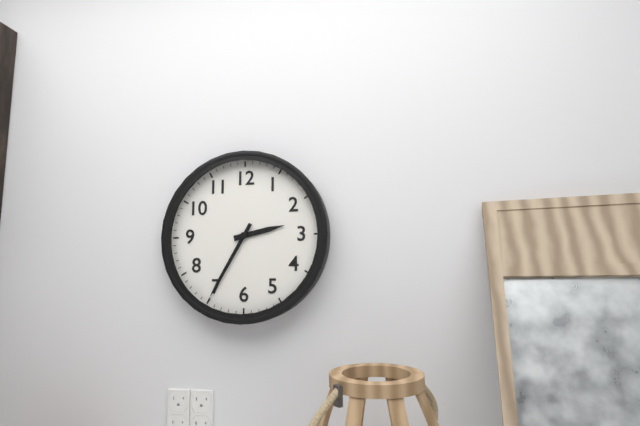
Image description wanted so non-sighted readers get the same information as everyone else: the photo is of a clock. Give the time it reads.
2:35
